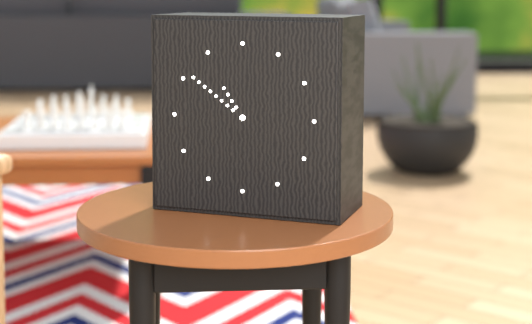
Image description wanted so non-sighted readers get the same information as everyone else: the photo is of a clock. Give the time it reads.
10:51
